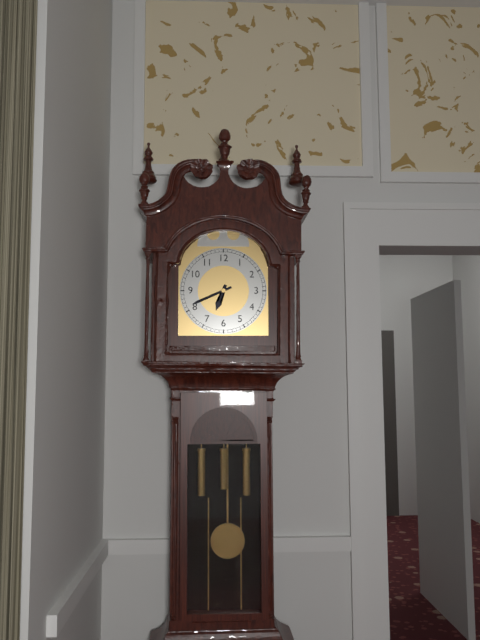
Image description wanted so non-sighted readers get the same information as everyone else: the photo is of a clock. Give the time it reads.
6:41
